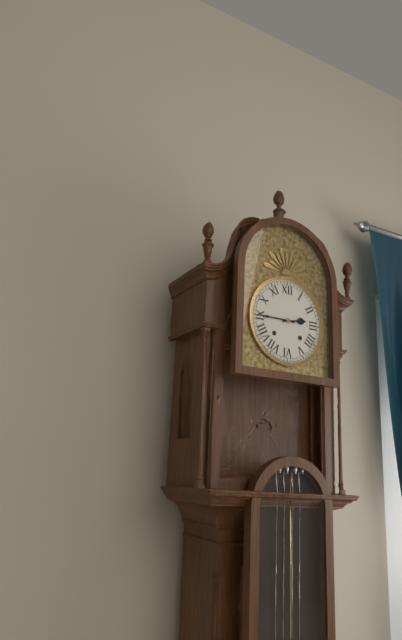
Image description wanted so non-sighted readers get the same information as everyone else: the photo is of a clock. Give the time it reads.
2:45
